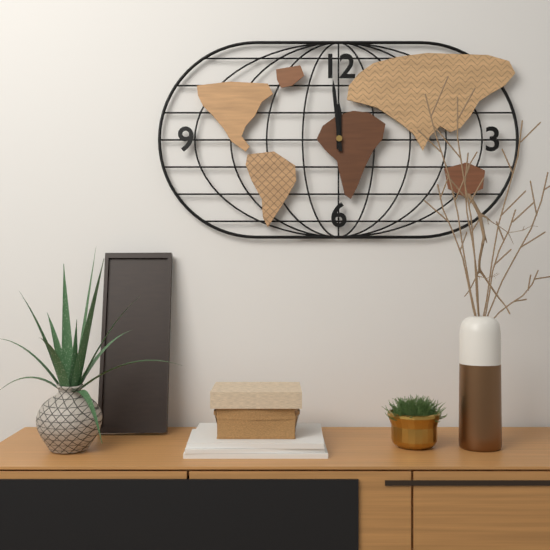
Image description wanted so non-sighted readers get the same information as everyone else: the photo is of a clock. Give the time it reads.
11:59
